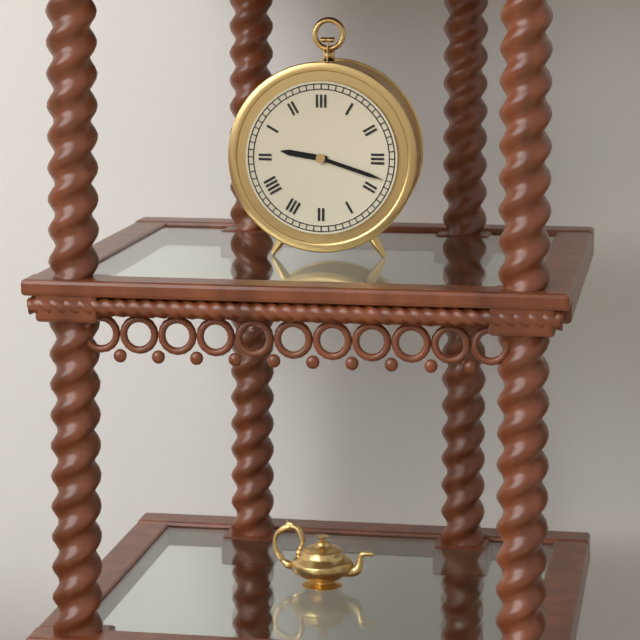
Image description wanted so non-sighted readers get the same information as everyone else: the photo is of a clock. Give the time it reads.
9:18
